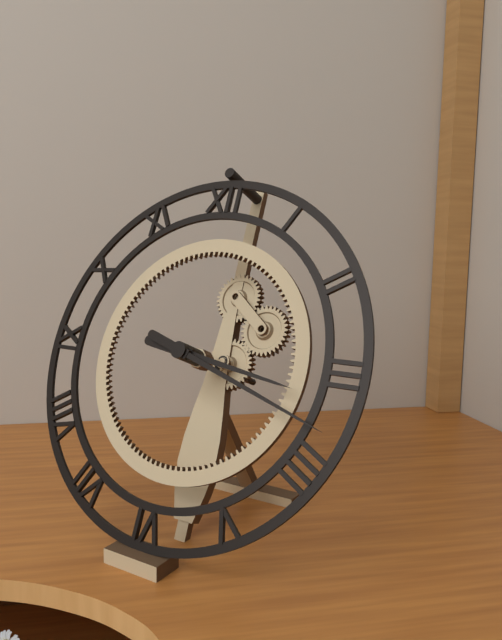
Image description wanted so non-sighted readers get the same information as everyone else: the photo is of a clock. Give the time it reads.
3:18
